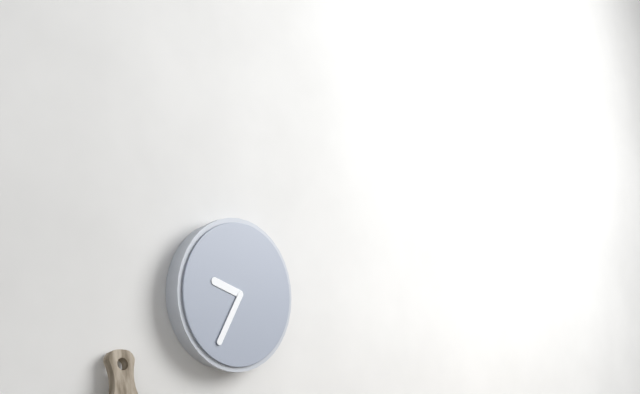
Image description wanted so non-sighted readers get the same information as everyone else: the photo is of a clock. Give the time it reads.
9:35
